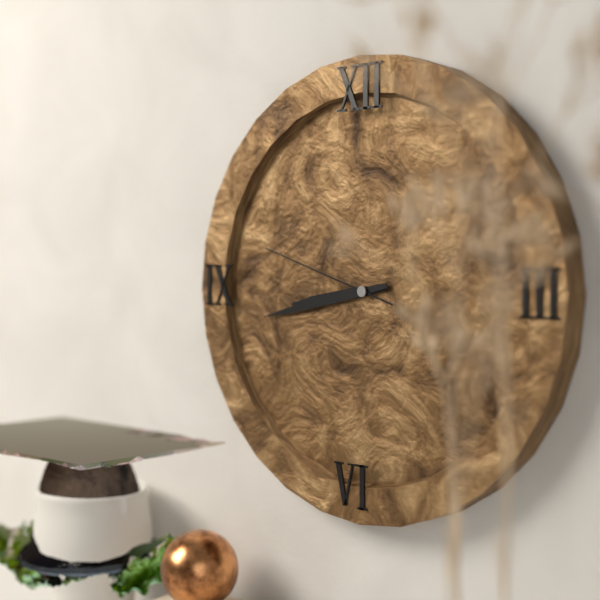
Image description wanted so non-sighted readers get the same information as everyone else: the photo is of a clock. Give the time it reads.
8:43:48
